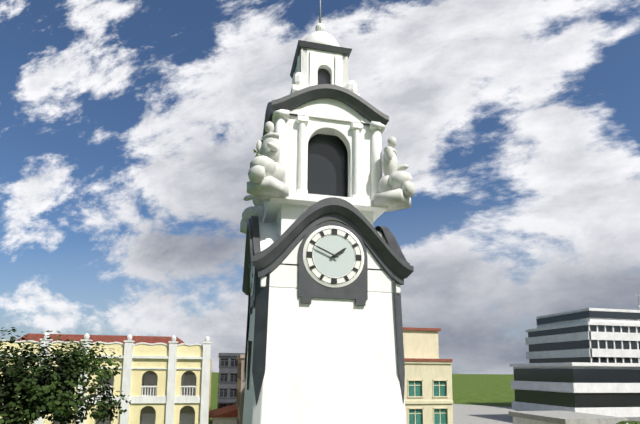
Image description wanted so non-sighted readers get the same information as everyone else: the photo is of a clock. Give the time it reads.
1:49
